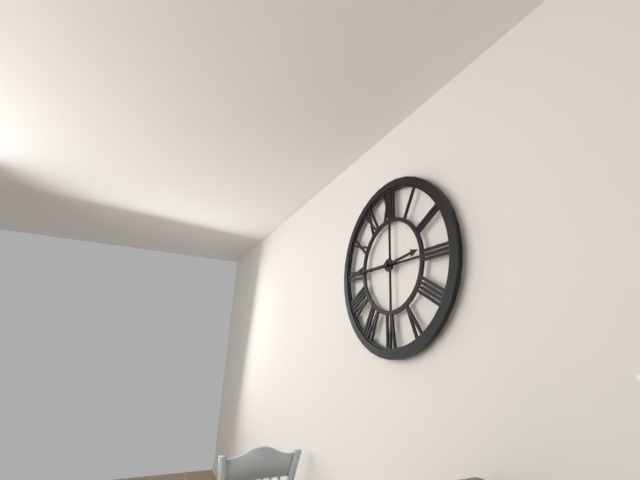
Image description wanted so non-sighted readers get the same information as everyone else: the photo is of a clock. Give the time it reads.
2:45
